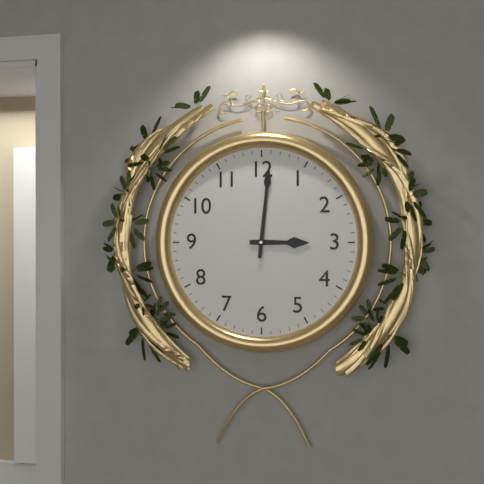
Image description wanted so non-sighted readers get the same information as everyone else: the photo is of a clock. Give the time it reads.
3:01
